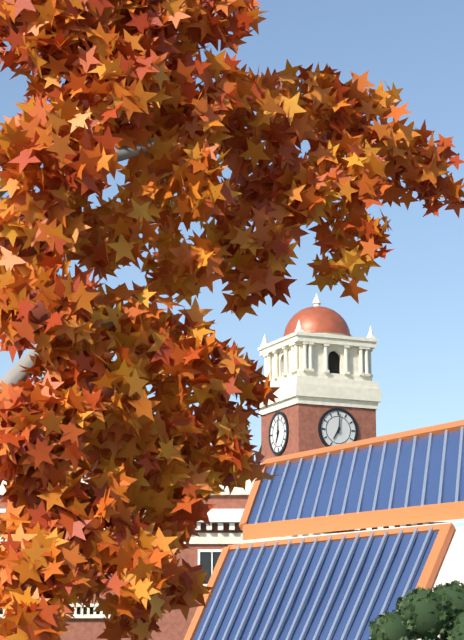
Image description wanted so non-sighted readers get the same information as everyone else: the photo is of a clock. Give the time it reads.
7:01
